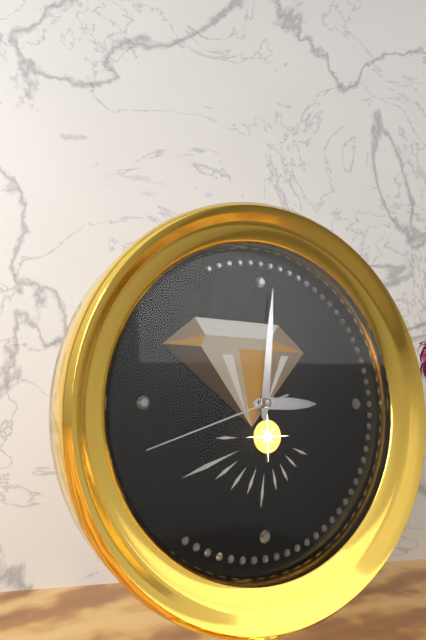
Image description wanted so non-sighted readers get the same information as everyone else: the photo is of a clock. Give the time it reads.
3:01:42
